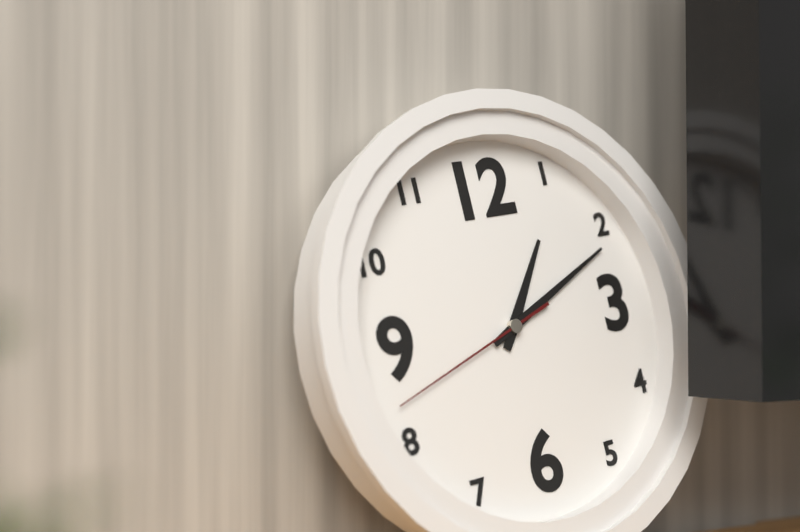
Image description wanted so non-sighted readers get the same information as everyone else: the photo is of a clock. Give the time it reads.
1:11:42
